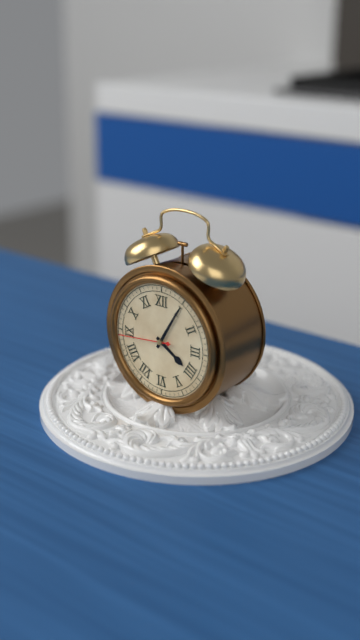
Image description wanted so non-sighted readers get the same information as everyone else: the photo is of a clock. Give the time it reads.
4:05:44
